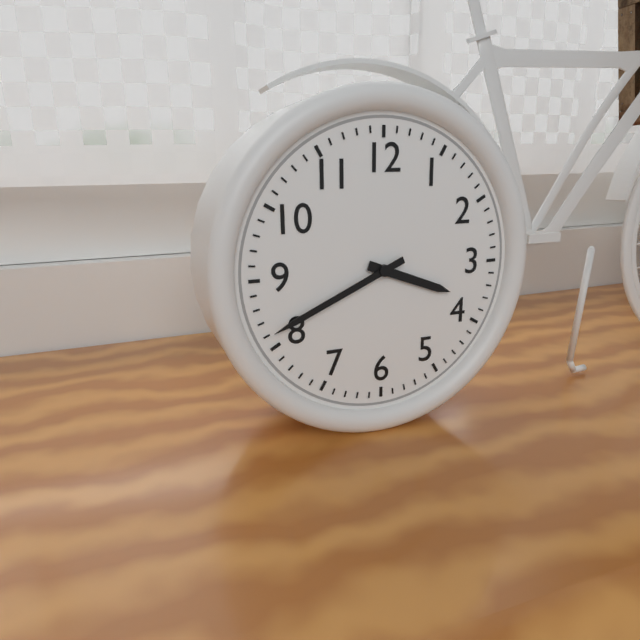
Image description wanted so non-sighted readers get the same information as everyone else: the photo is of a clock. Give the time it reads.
3:41
